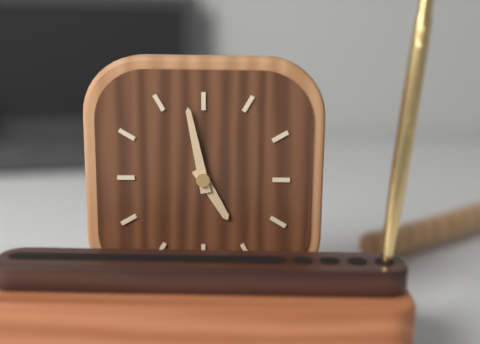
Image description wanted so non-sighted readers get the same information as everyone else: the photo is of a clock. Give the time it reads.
4:58
